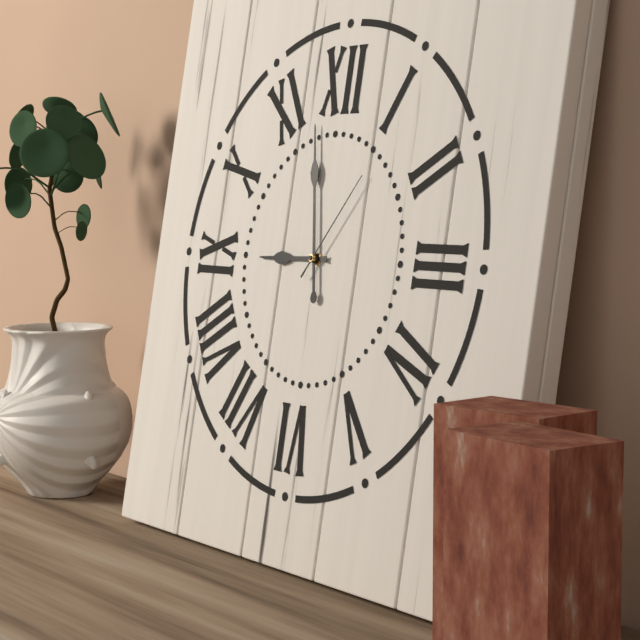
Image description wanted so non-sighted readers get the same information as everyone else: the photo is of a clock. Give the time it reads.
8:58:06
